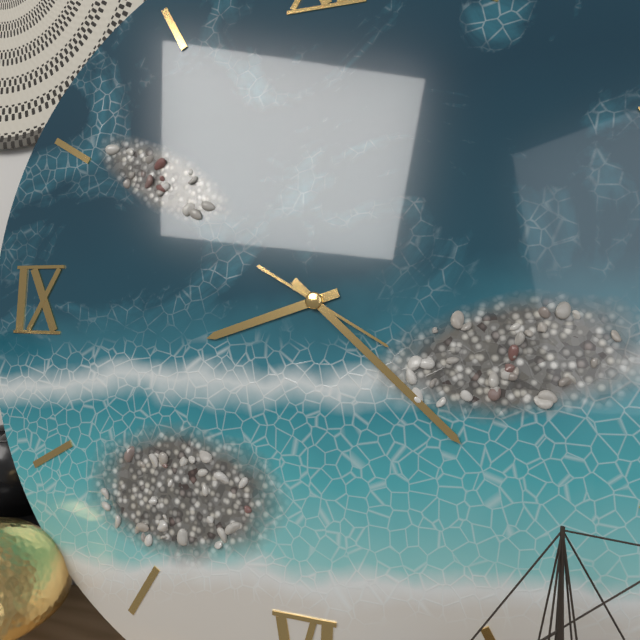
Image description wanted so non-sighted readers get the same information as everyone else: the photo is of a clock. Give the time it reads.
8:22:20
